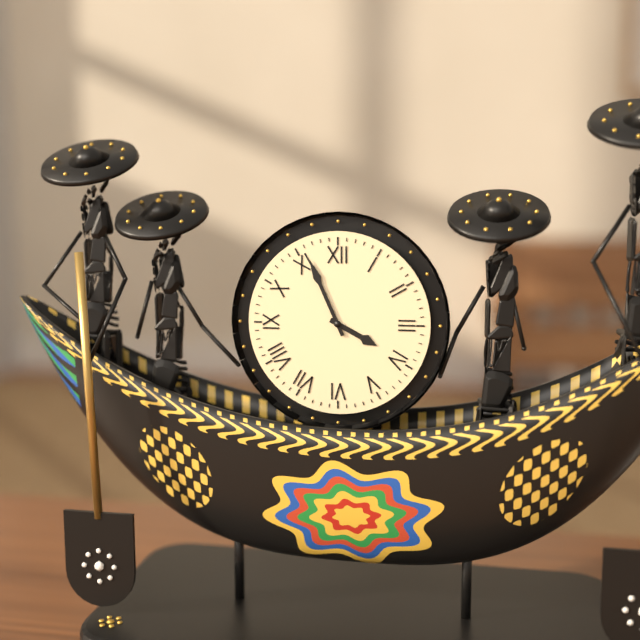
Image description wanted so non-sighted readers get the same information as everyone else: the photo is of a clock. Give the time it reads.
3:56
